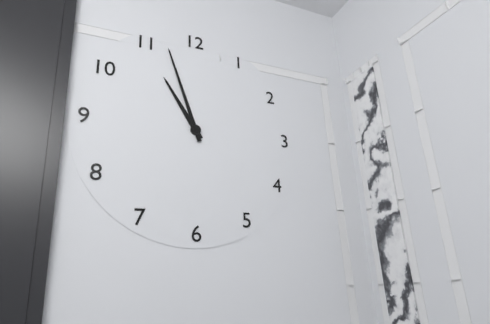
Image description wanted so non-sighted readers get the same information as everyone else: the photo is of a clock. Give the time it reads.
10:57
